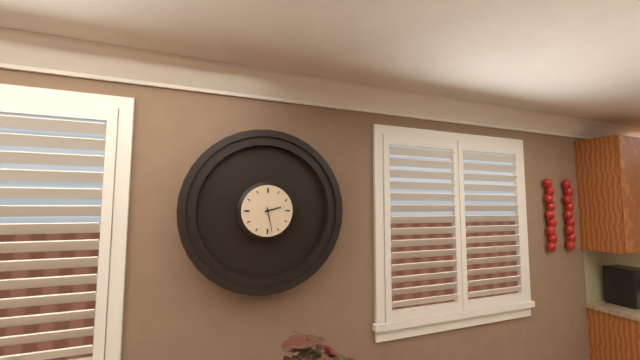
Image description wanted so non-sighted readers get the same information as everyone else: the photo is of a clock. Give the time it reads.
2:28
